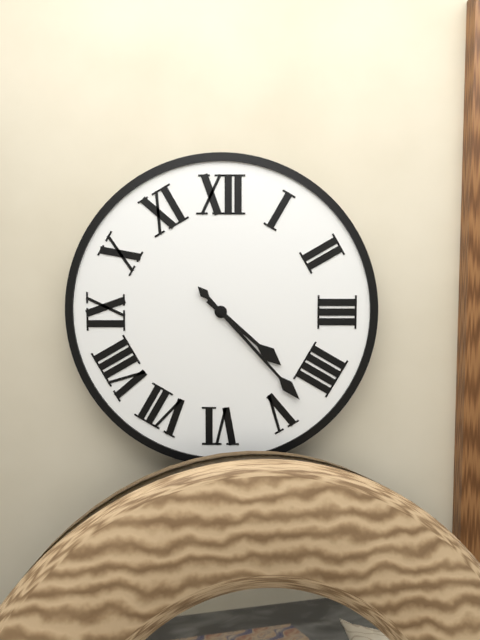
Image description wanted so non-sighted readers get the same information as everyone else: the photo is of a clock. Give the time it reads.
4:23
